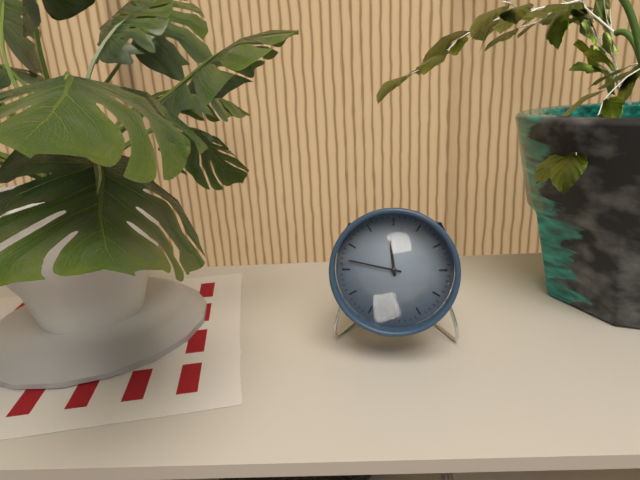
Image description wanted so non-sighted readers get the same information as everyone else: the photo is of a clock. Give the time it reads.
11:47
